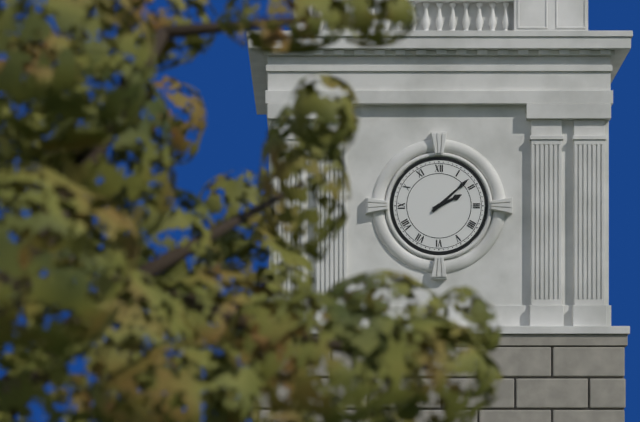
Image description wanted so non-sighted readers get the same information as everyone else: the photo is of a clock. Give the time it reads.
2:08
